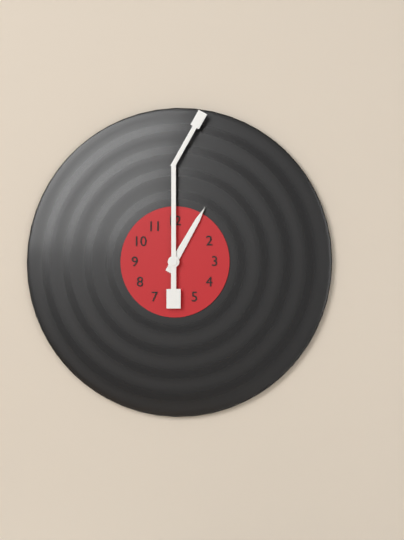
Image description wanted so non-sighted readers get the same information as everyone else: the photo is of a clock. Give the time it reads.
1:00
